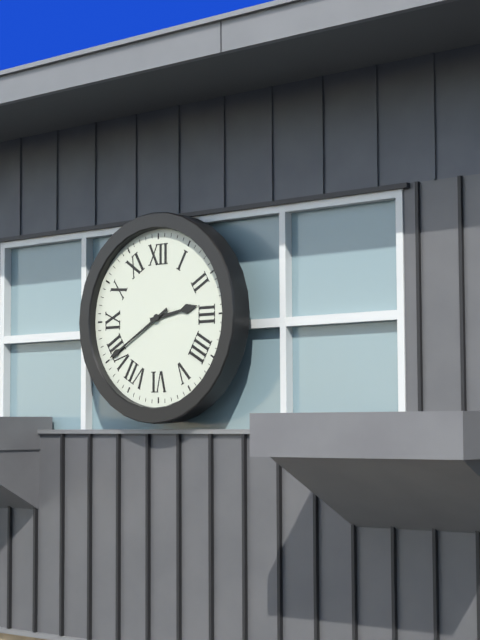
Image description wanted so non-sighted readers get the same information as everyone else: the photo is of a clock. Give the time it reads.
2:40
